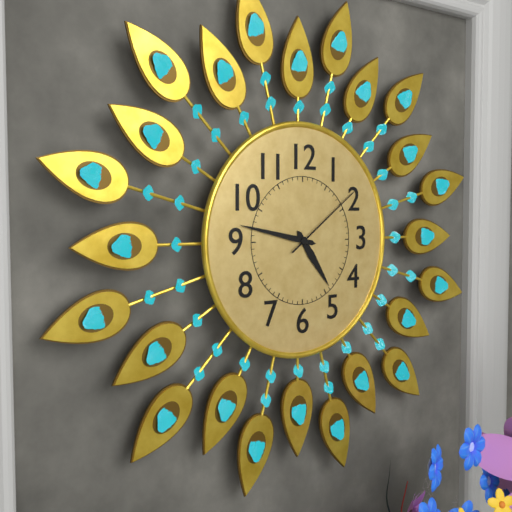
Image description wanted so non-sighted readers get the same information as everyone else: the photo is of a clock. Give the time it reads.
4:47:09
